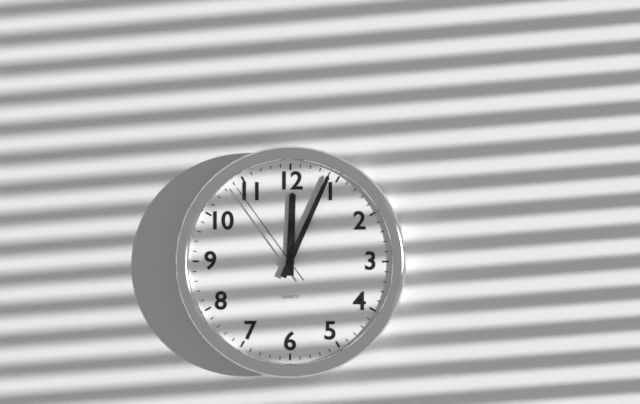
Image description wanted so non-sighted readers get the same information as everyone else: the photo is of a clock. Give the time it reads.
12:04:54
